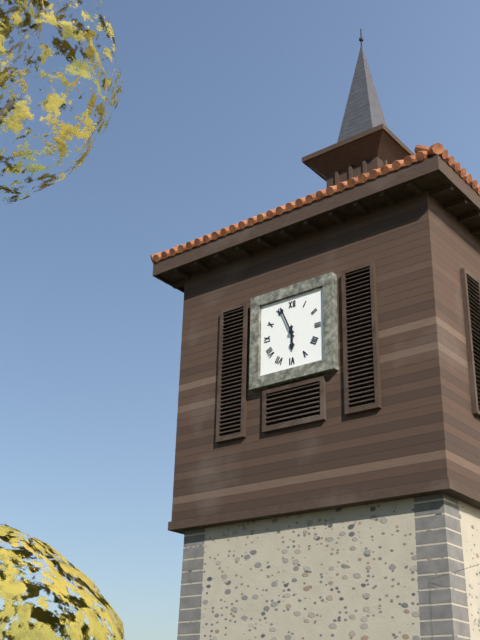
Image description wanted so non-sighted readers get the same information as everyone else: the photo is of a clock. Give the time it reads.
5:56
